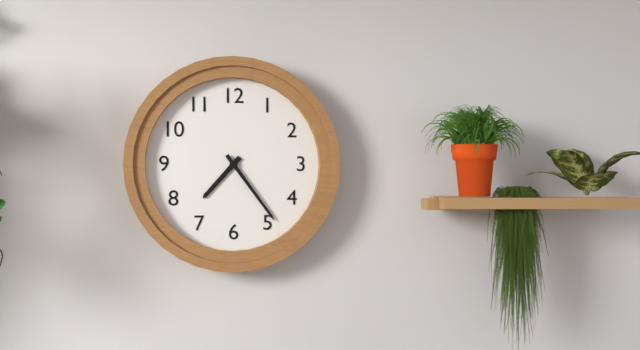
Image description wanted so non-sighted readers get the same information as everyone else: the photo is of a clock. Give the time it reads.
7:24
